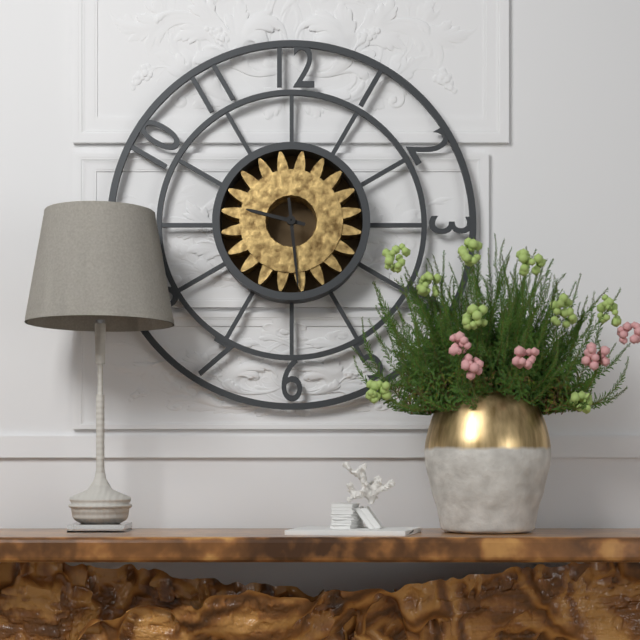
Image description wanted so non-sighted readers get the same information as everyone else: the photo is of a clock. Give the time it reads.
9:29
